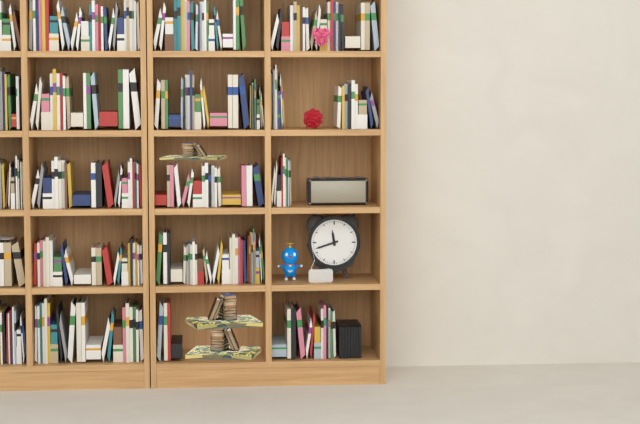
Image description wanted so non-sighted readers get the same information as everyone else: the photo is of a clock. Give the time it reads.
11:42
